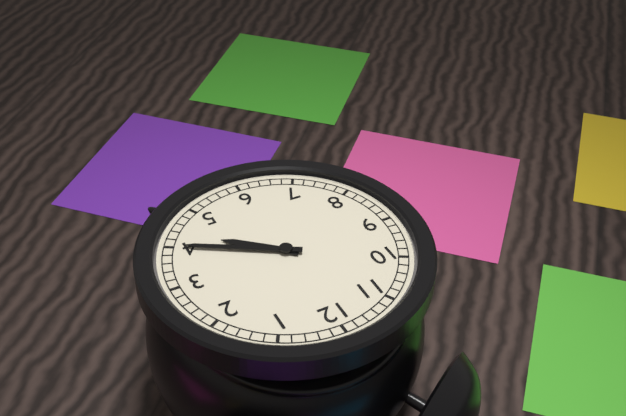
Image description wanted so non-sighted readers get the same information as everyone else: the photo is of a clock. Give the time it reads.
4:20
